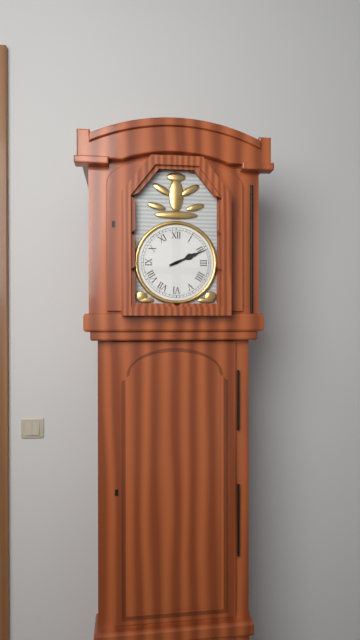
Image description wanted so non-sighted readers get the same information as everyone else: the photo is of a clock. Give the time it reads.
2:11
